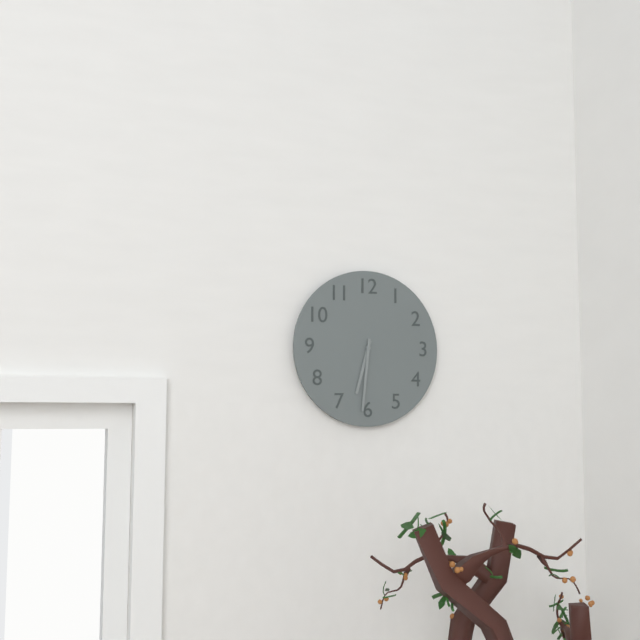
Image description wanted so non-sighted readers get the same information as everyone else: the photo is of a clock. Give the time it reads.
6:31
